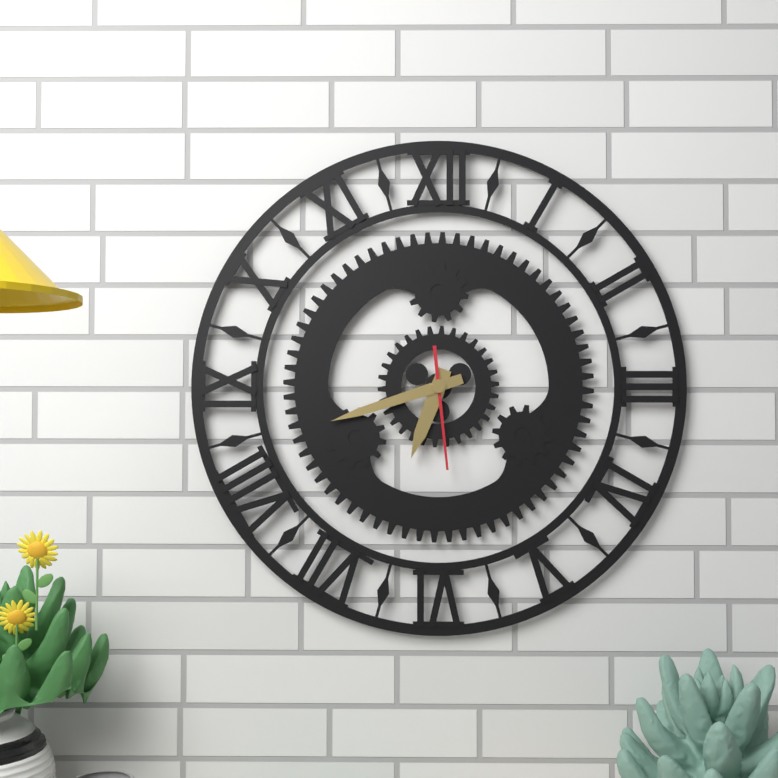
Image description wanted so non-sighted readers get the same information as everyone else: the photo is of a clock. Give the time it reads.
6:42:29
